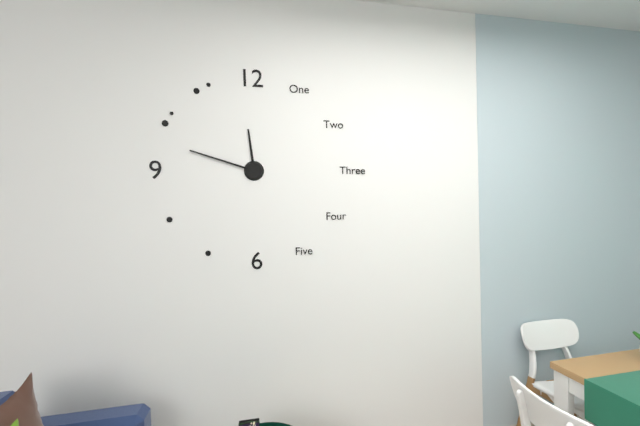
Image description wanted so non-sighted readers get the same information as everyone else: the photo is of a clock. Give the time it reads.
11:48
